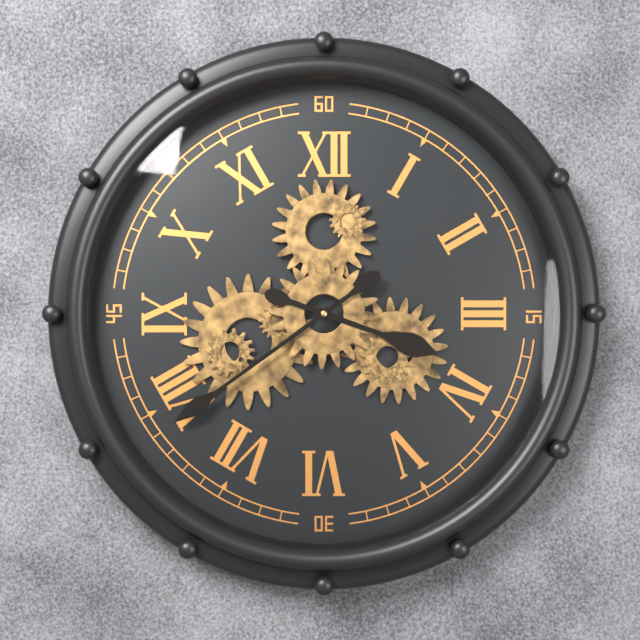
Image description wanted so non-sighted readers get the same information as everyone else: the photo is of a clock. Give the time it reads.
3:39
